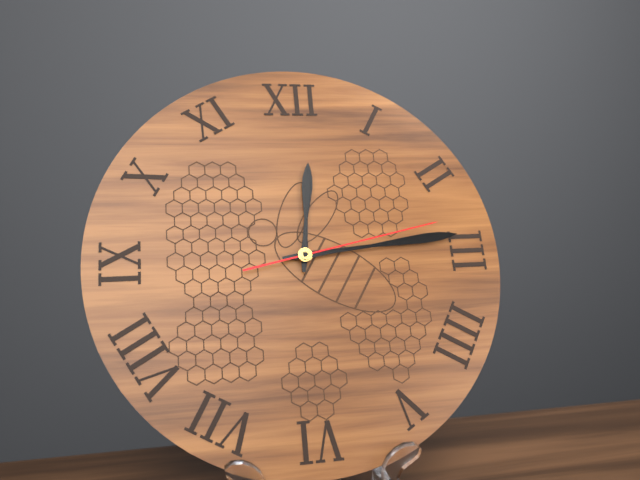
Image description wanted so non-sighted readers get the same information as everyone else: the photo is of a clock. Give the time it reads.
12:14:13
